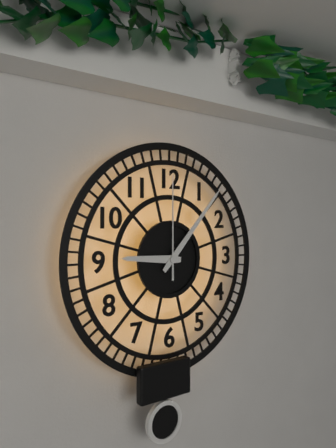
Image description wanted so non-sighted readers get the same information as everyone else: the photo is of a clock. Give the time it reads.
9:07:00
